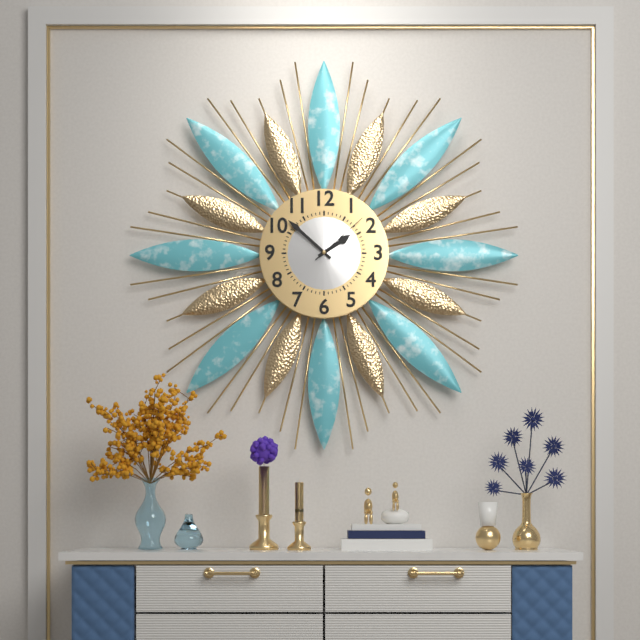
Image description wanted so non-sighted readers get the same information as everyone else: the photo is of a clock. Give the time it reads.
1:52:08
